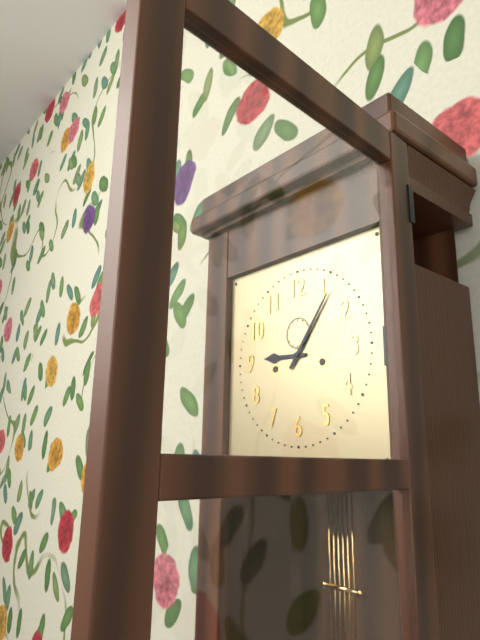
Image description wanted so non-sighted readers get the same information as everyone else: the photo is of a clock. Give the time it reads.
9:06
